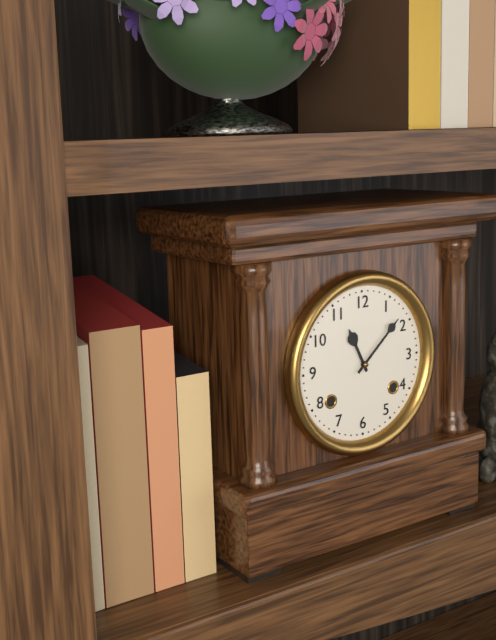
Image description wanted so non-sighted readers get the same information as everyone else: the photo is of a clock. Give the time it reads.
11:08
